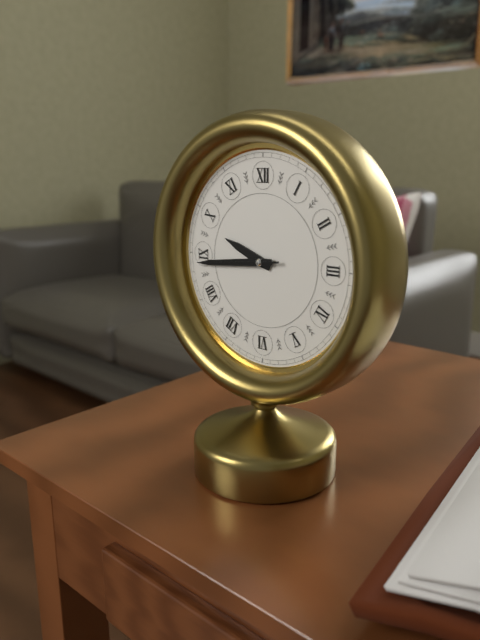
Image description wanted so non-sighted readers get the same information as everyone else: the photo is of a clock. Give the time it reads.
9:44:44
